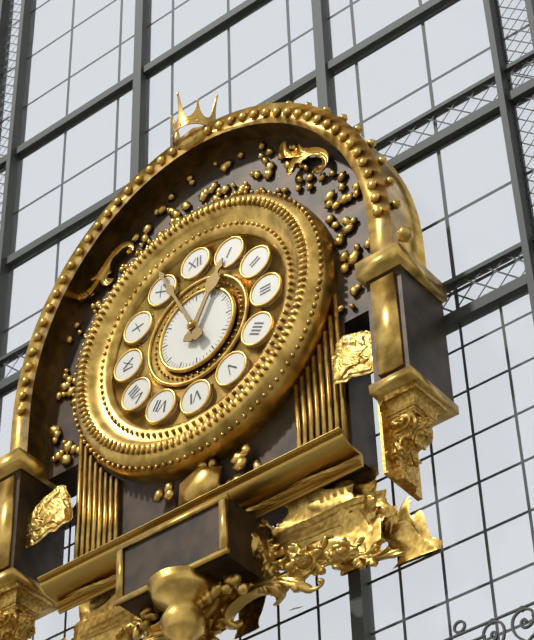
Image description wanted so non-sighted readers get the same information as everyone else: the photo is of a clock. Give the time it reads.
12:56
